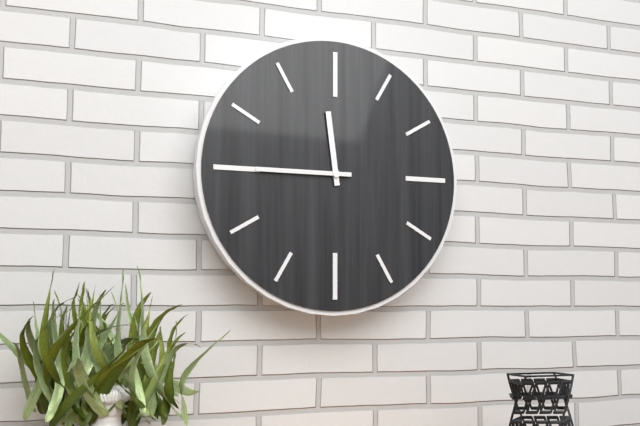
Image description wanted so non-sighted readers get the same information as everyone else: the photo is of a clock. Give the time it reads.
11:45
